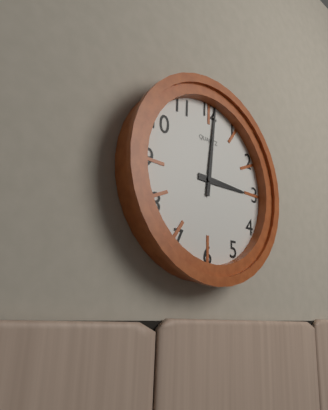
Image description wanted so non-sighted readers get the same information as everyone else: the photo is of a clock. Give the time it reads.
3:01
